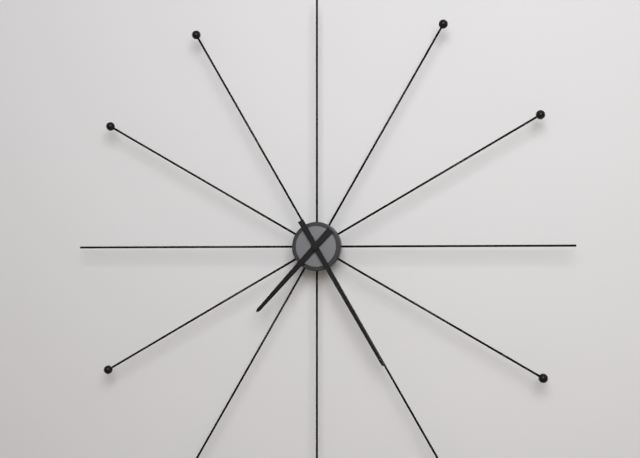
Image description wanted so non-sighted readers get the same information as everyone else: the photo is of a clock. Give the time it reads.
7:25
